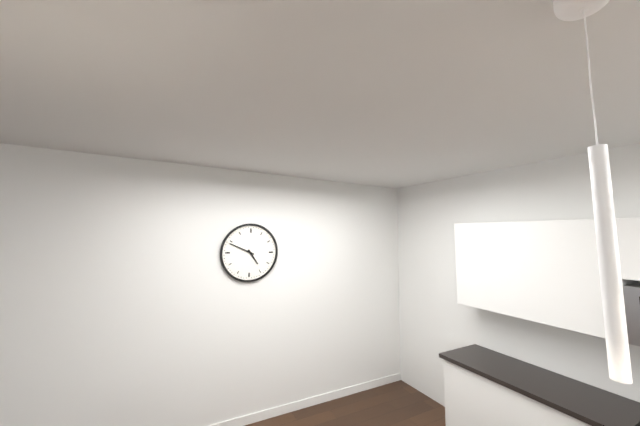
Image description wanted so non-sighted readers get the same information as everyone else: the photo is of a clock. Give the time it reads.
4:49
